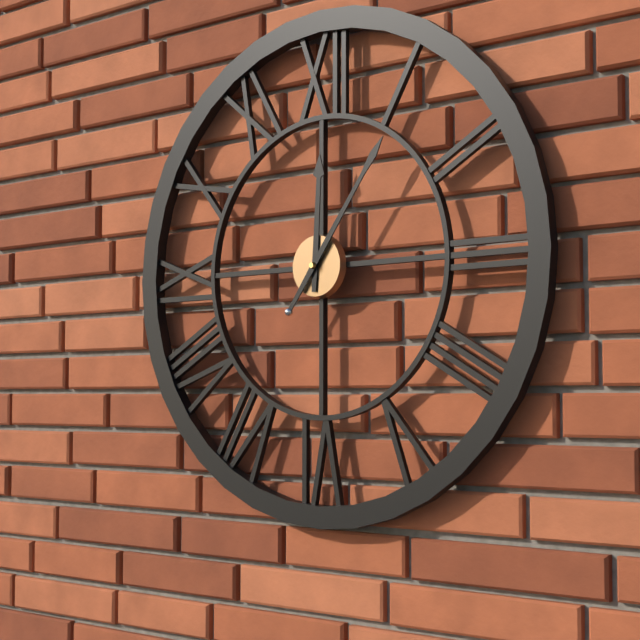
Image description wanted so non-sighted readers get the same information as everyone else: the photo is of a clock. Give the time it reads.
12:06
